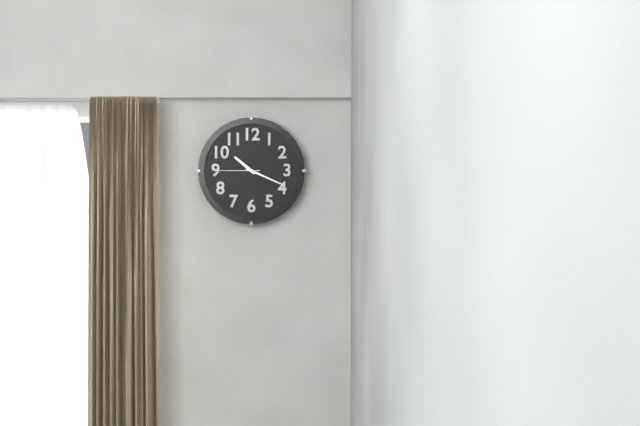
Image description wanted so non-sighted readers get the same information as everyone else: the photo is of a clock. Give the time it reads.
10:19
